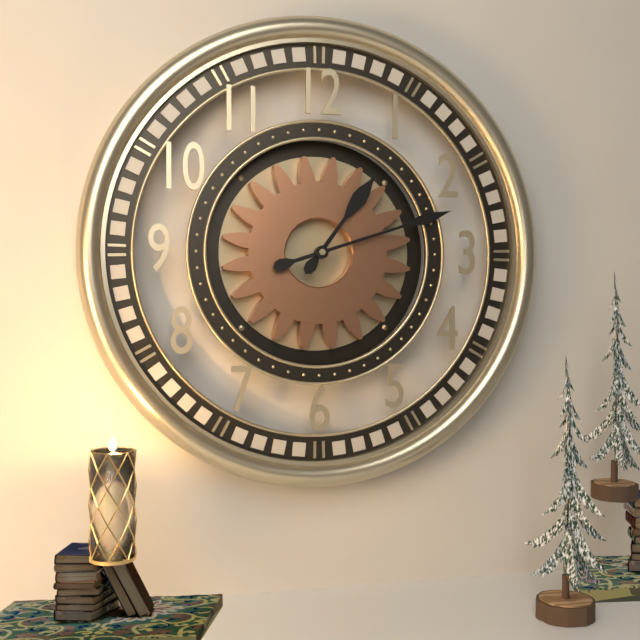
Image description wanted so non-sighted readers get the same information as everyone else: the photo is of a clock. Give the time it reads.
1:12
